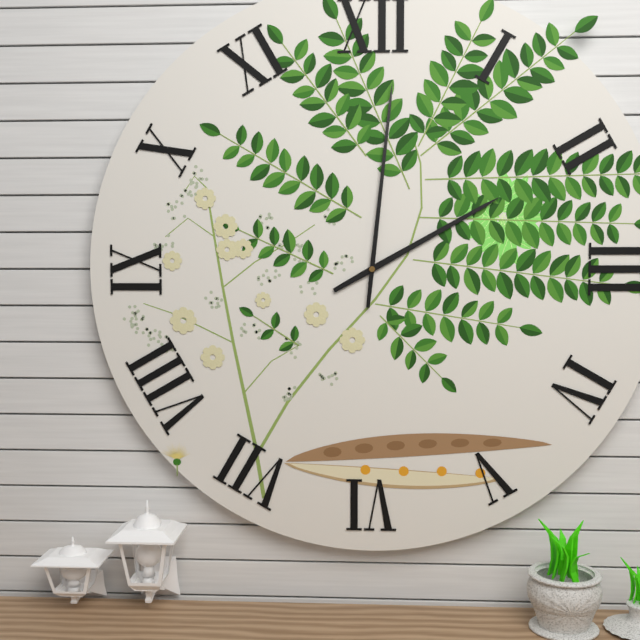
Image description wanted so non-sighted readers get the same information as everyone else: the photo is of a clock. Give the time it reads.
2:01
